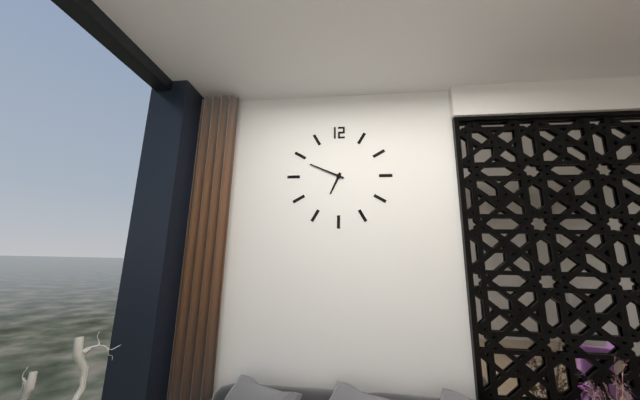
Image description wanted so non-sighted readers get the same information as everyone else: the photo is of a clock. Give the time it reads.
6:49
